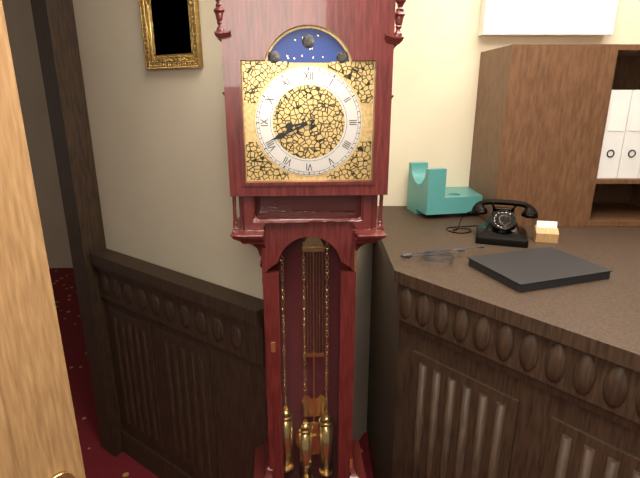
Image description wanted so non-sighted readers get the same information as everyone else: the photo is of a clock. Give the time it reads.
8:41
